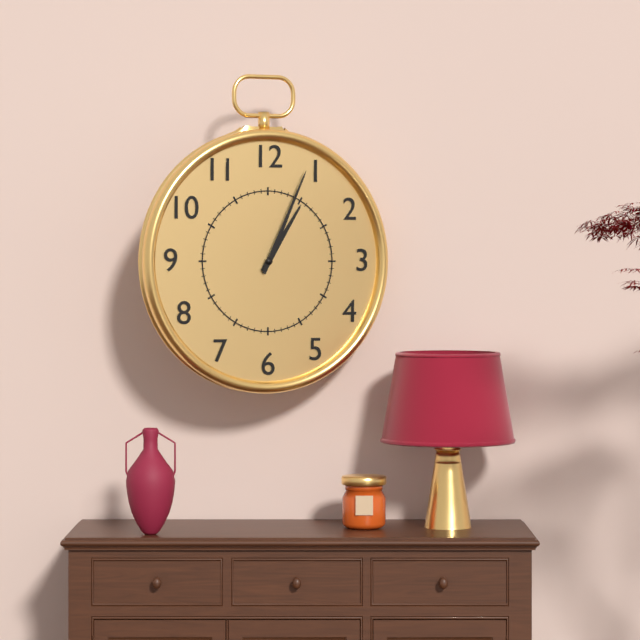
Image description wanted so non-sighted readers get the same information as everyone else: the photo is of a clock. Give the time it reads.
1:04
